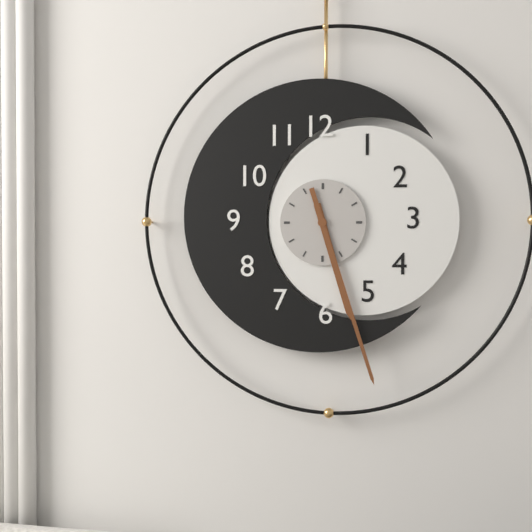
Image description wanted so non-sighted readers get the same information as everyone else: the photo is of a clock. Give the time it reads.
5:27
